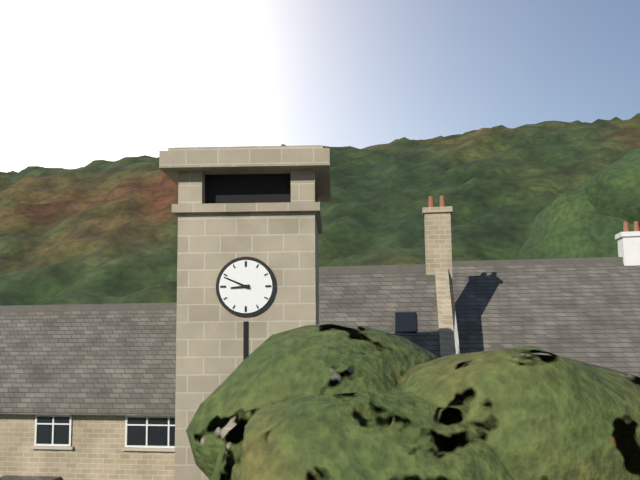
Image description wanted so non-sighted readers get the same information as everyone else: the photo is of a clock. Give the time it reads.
8:49
